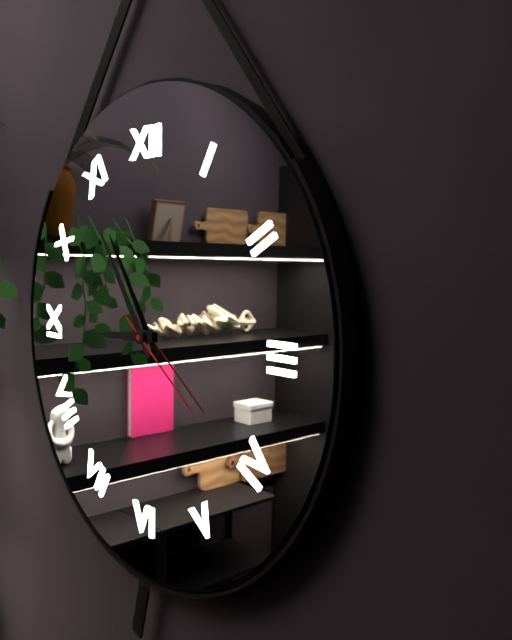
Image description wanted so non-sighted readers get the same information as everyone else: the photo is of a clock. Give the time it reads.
8:54:21
